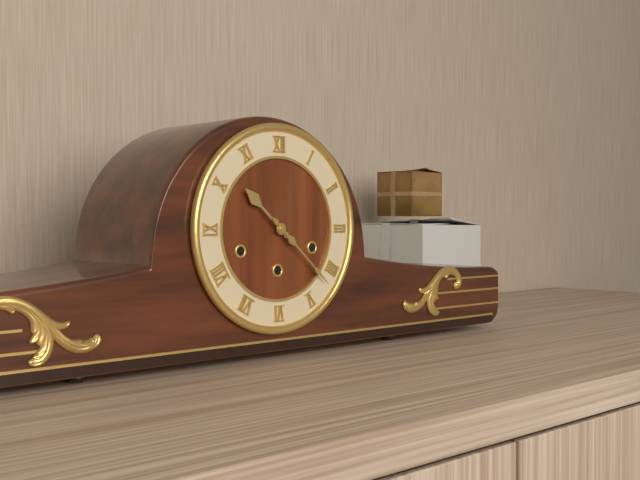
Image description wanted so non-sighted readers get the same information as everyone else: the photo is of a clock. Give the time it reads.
10:22
